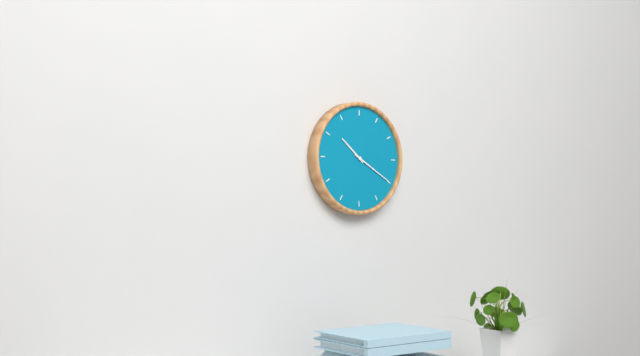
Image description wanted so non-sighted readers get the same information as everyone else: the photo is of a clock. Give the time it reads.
10:20
